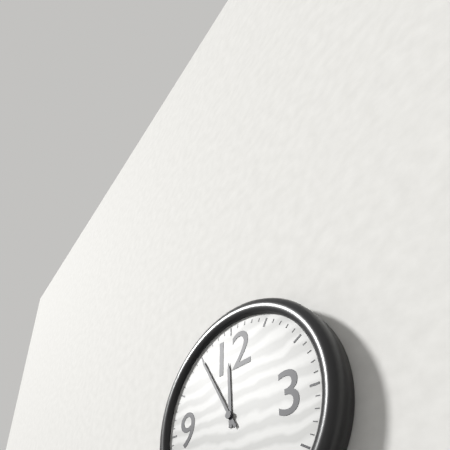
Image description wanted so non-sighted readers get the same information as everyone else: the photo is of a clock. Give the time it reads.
11:55
